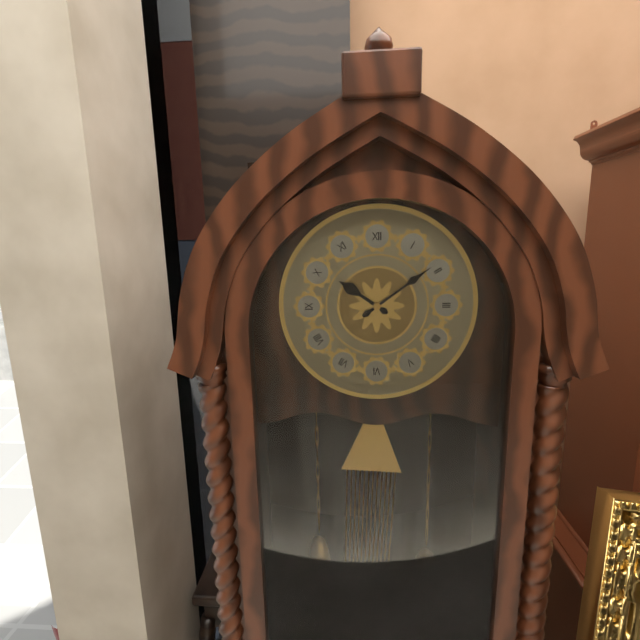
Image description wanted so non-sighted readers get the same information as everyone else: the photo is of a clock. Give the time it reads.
10:09
